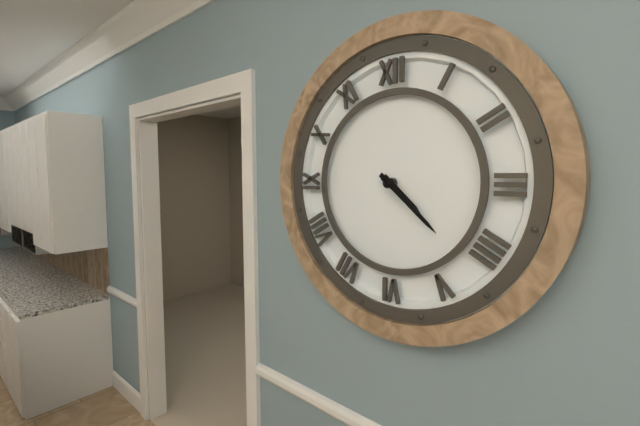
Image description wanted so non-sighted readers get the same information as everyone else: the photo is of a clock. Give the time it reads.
4:22
